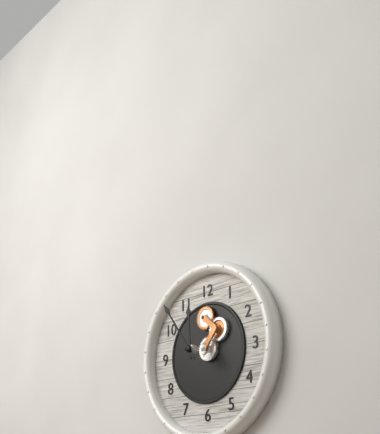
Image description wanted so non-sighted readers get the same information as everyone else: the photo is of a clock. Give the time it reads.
11:54
